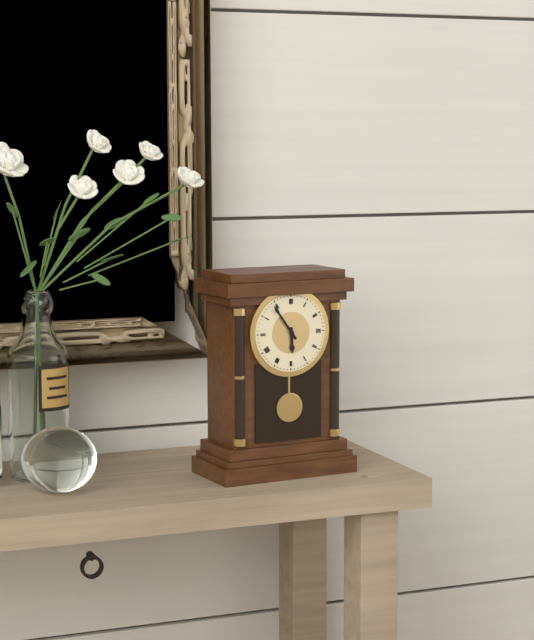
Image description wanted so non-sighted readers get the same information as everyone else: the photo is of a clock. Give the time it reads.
5:54
